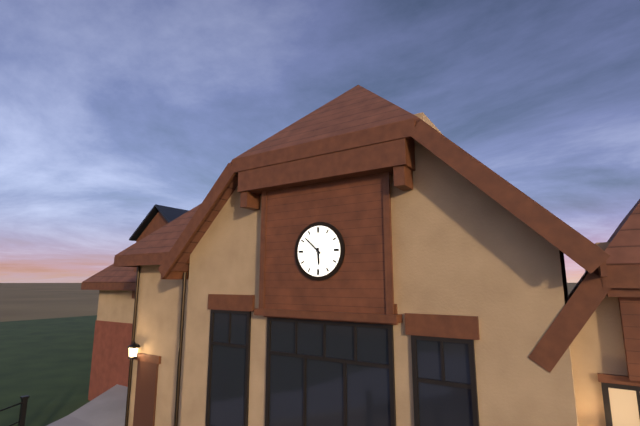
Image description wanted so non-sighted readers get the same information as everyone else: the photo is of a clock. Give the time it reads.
5:52
